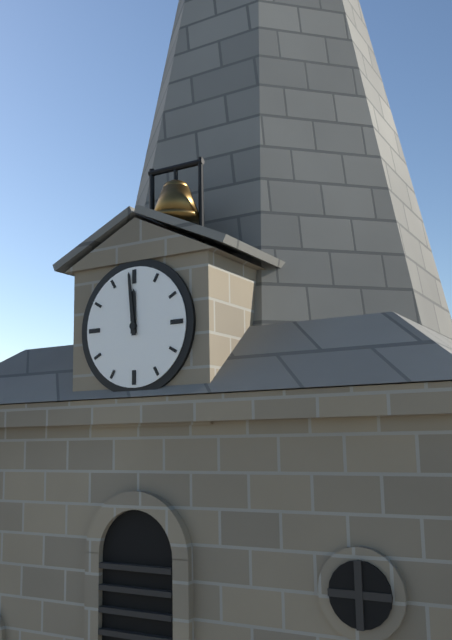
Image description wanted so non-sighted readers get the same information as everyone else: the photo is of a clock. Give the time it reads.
11:59
